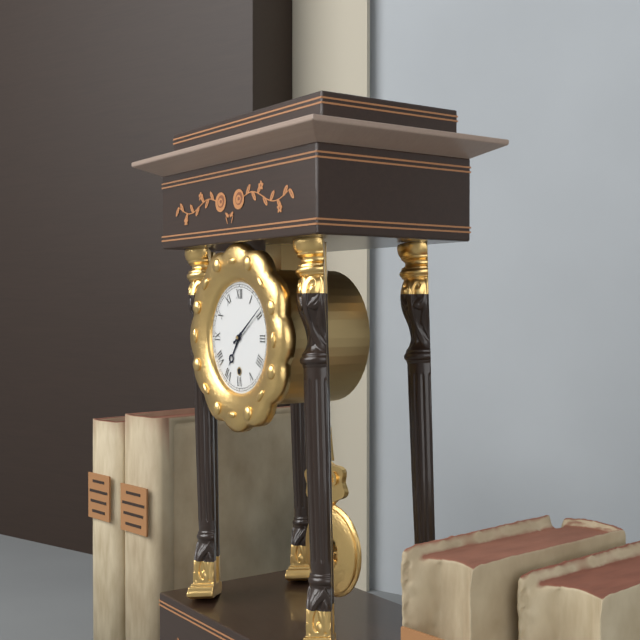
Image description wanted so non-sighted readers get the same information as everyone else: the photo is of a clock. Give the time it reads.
7:09
